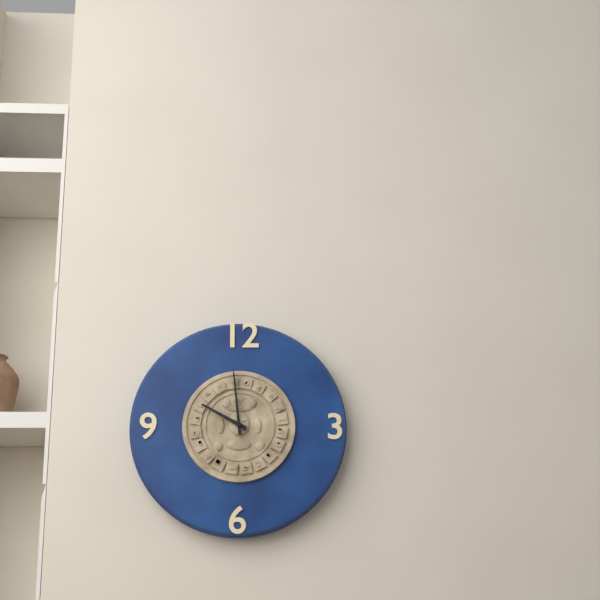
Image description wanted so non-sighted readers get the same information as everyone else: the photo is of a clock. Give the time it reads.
9:59
